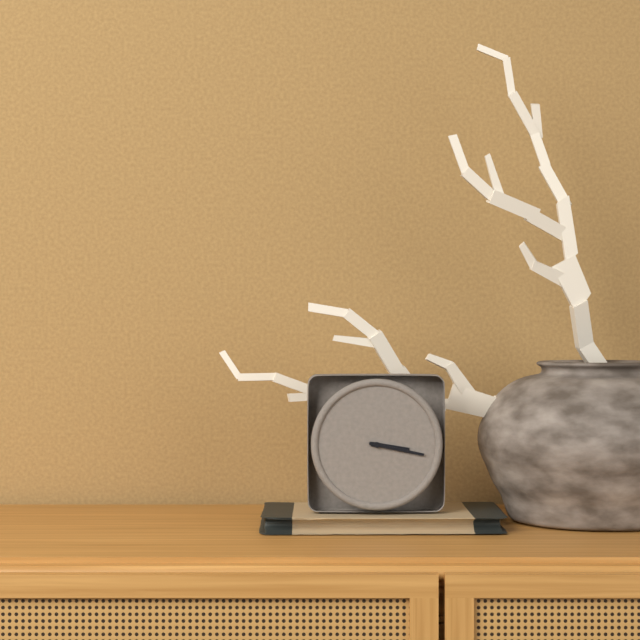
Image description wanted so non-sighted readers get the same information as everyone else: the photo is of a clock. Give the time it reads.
3:17
